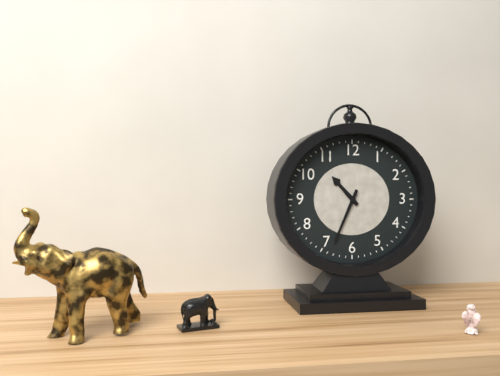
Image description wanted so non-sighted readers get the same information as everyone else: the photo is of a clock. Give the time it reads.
10:34
